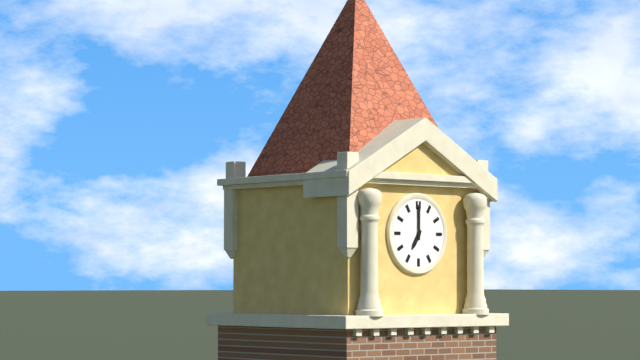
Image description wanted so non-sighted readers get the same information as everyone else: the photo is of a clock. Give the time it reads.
7:00
